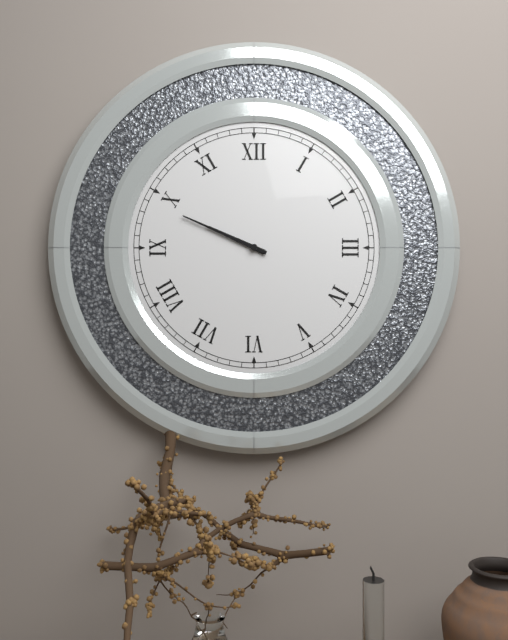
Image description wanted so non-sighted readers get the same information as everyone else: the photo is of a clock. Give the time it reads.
9:49
